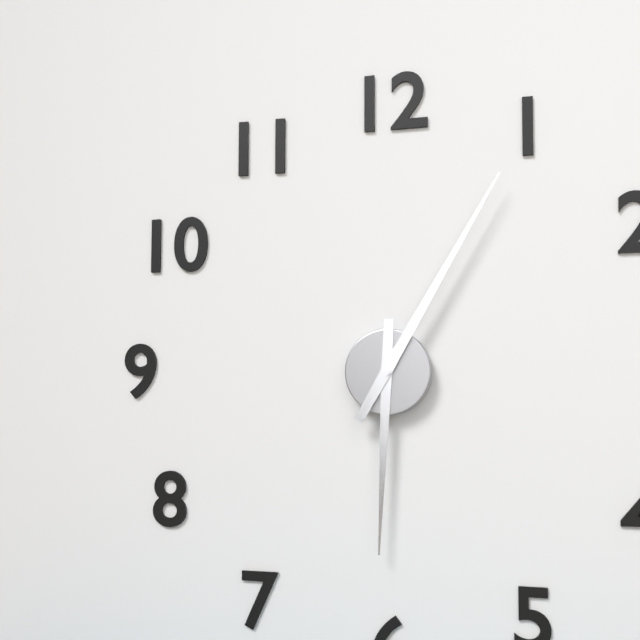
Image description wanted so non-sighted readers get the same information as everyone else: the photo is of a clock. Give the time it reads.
6:05
